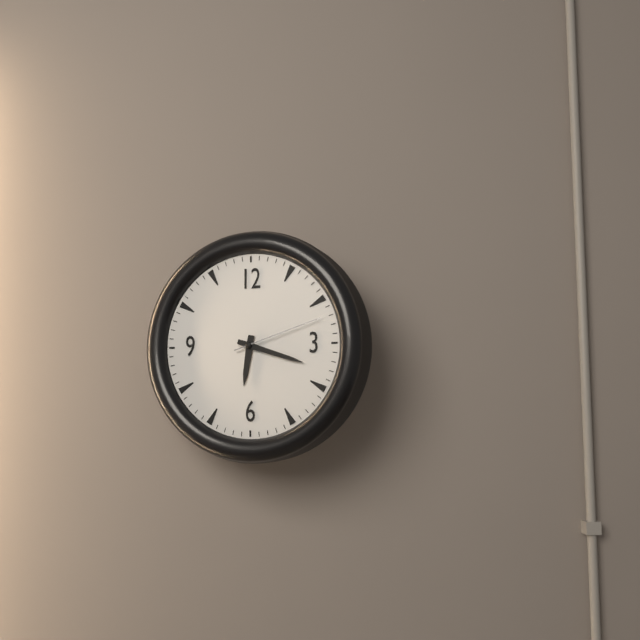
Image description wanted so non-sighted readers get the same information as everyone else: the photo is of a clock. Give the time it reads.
6:18:12
